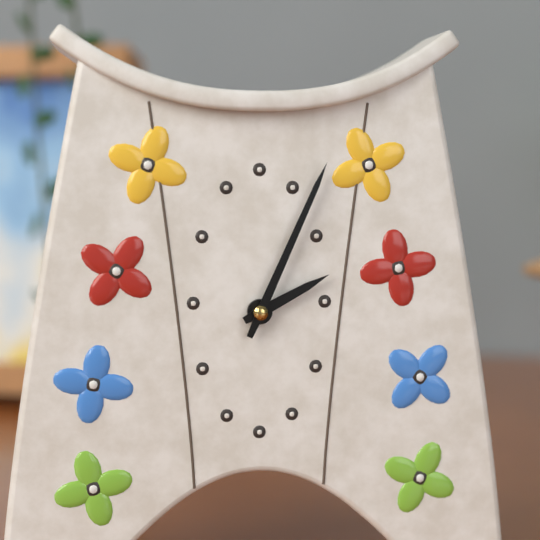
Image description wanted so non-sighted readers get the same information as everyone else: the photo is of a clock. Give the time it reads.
2:04
